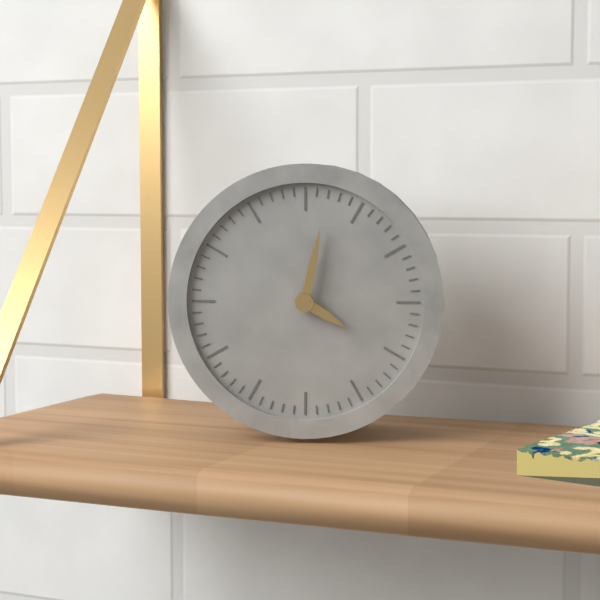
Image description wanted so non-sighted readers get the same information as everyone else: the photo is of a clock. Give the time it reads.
4:02
